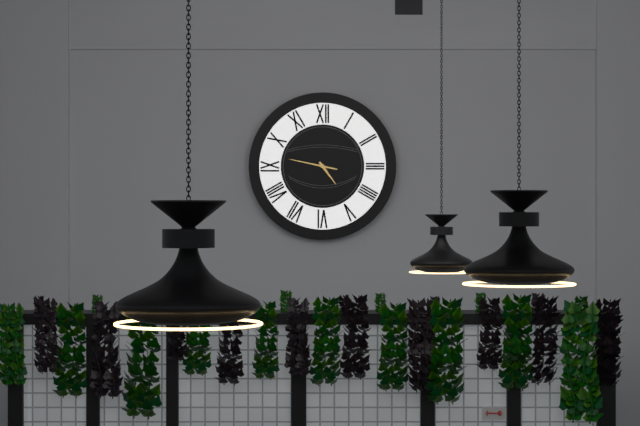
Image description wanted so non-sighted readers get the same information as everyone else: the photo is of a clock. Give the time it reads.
4:47
